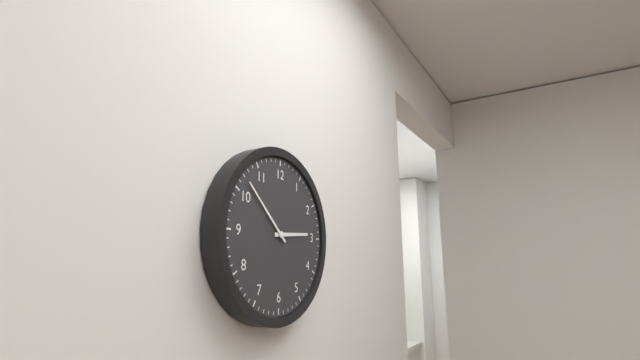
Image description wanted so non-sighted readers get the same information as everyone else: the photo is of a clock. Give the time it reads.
2:52
